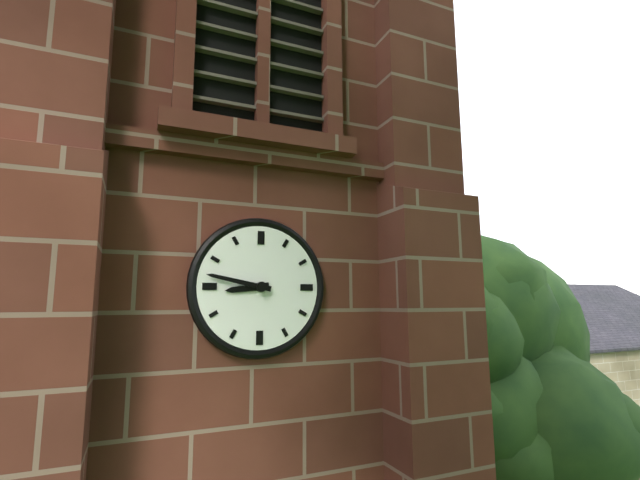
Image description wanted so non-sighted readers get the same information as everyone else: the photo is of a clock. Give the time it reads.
8:47
